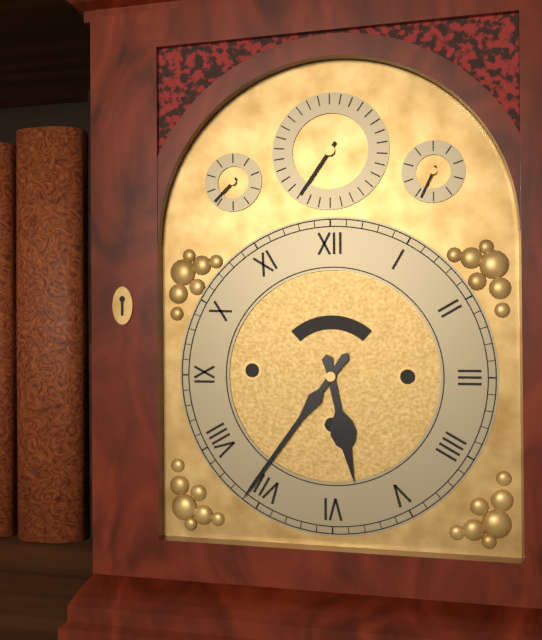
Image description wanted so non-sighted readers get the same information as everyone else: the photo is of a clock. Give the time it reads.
5:36
